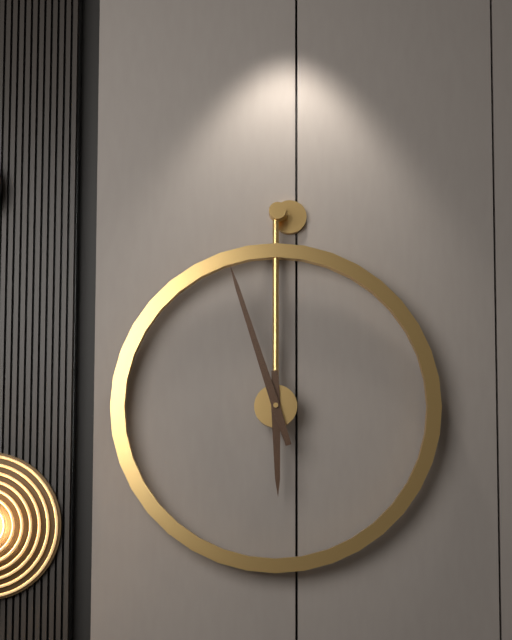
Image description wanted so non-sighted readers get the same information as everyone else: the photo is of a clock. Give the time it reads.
5:57
